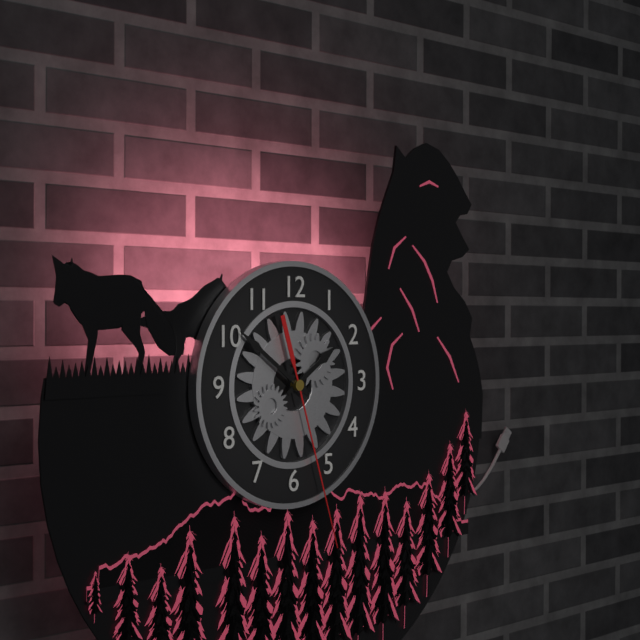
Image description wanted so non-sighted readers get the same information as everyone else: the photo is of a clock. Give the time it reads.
1:51:27
